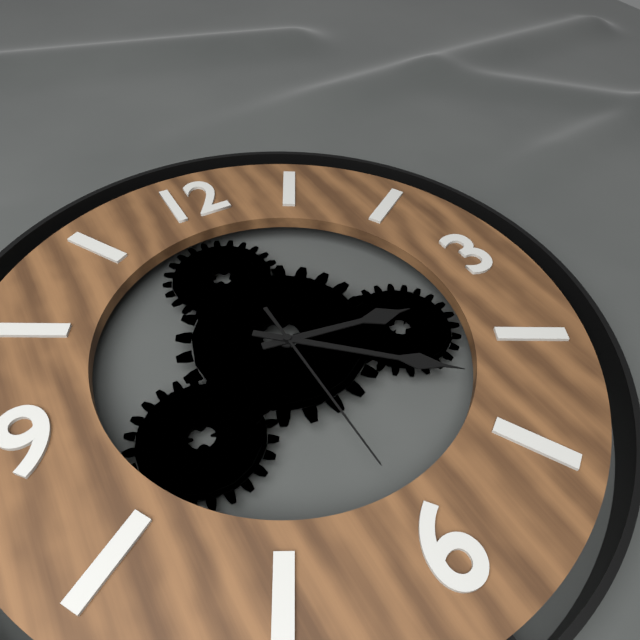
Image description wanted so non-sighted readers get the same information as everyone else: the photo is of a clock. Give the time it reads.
3:22:30
